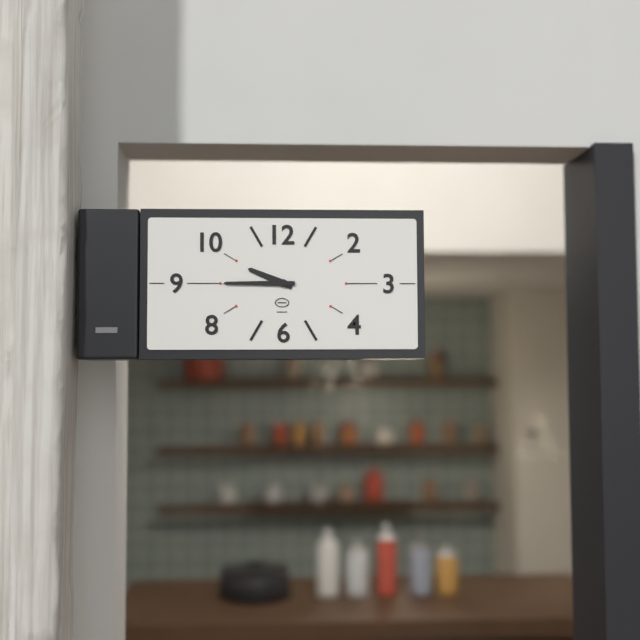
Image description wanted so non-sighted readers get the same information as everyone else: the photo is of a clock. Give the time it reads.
9:45
